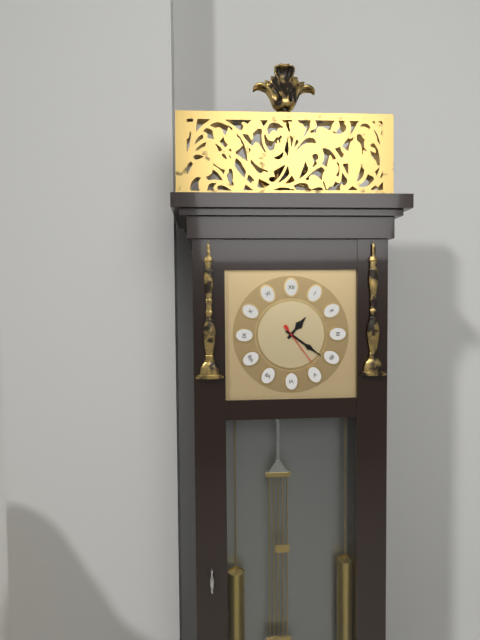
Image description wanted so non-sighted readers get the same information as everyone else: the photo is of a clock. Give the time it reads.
1:21
